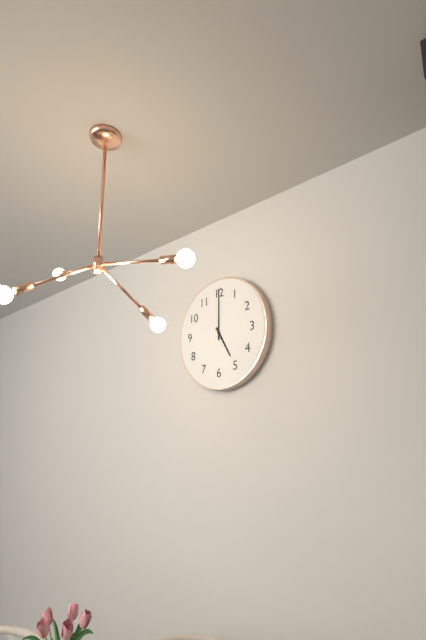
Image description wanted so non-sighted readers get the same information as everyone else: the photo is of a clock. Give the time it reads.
5:00
